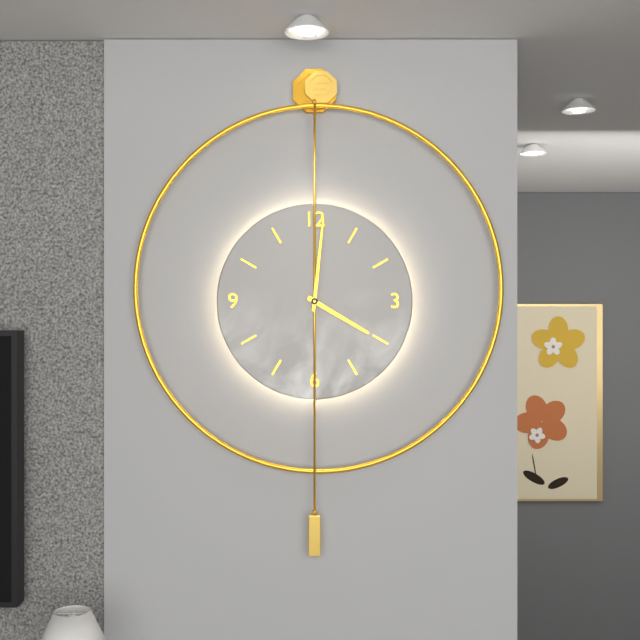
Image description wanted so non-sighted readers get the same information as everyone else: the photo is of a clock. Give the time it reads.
4:01
